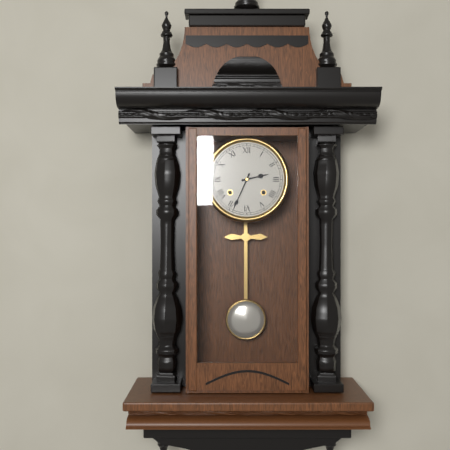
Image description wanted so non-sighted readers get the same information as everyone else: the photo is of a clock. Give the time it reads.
2:34
